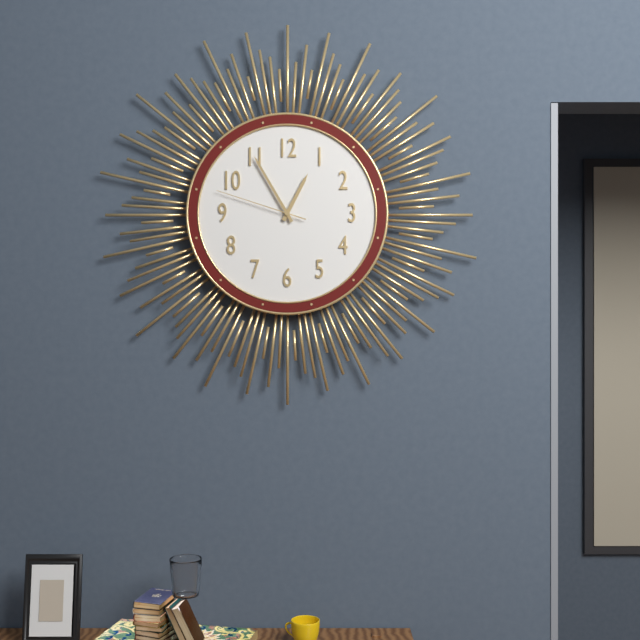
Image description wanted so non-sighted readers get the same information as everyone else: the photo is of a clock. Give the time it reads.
12:55:48
